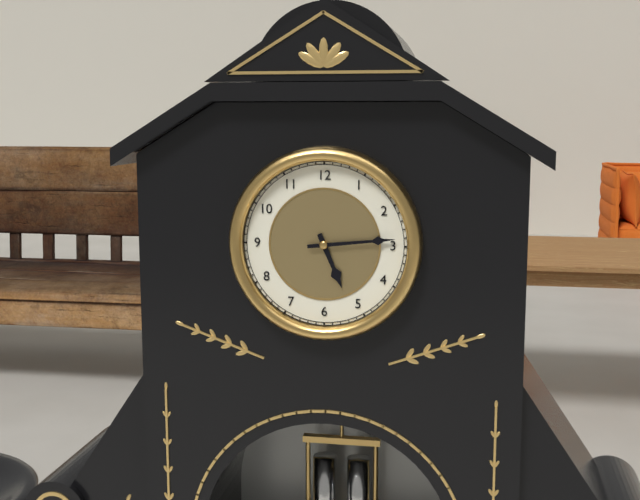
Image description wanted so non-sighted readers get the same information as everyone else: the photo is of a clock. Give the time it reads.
5:14
